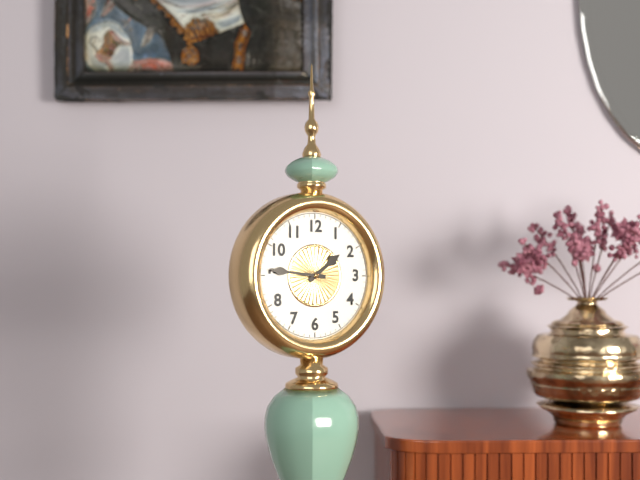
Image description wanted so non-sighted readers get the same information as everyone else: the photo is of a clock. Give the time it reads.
1:46
